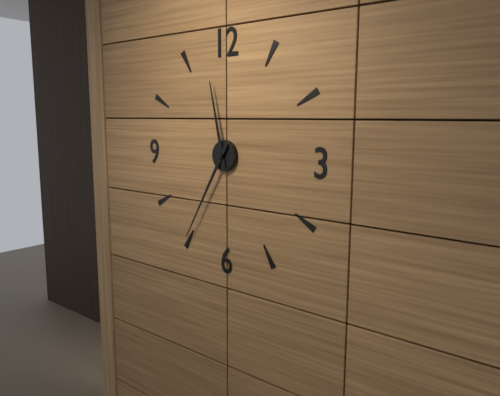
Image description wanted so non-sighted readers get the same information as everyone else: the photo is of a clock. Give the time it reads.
11:35
